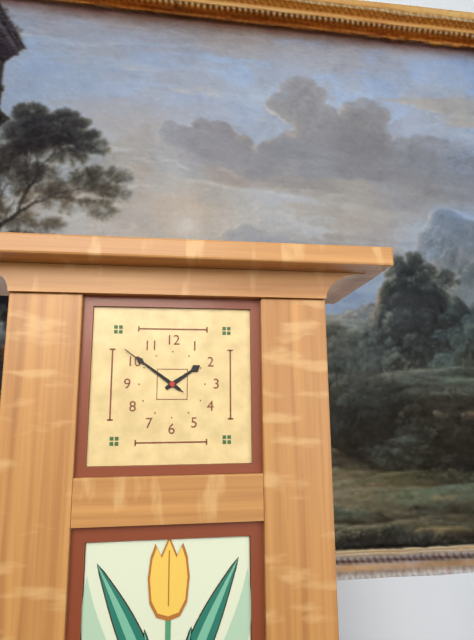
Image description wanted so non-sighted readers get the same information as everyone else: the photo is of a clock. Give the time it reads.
1:51:51
